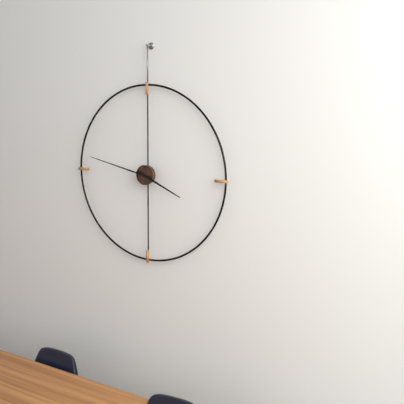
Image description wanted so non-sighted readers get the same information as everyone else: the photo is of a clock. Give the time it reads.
3:47
